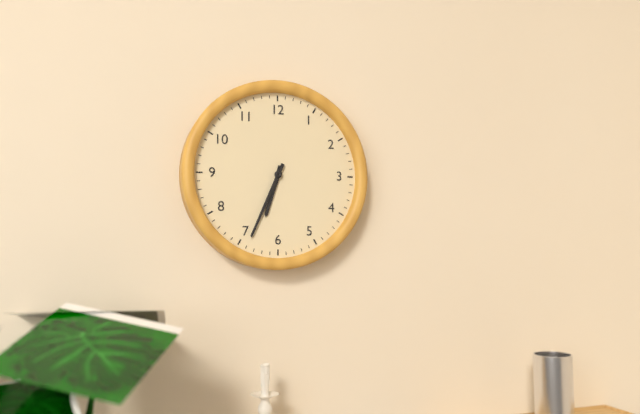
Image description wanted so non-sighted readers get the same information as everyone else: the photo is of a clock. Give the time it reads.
6:34
